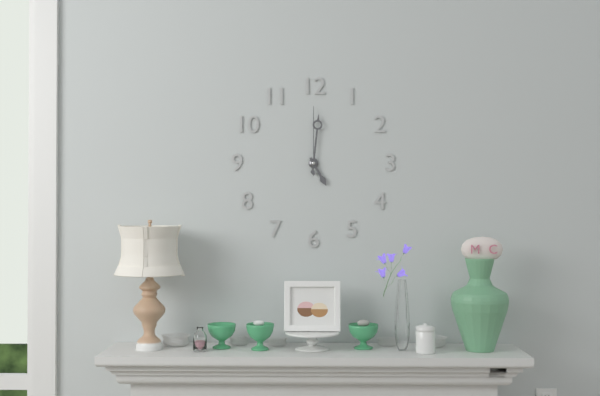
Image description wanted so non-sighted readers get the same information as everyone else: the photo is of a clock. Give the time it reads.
5:01:00
